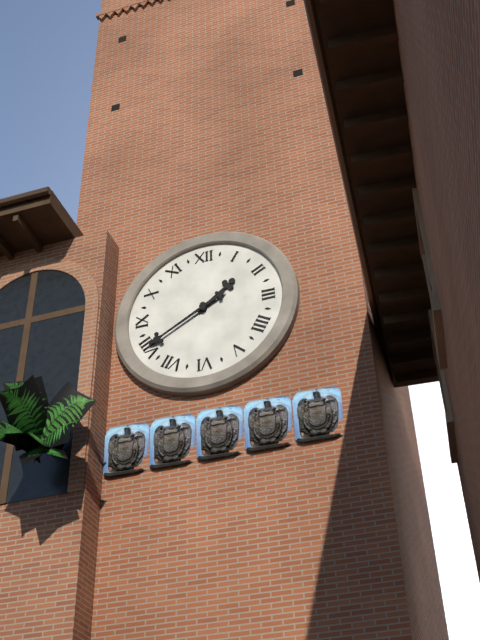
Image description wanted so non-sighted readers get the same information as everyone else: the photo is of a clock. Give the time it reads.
1:40
